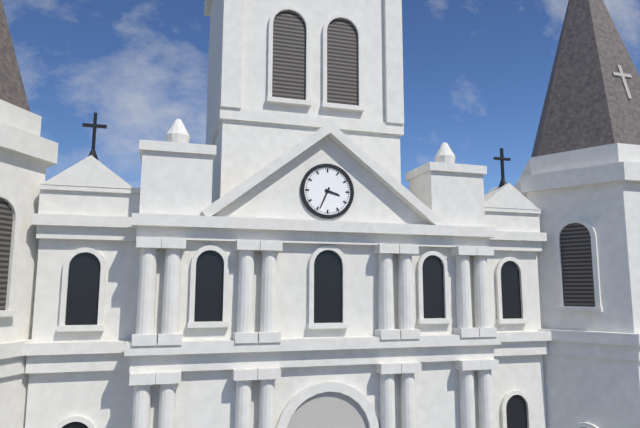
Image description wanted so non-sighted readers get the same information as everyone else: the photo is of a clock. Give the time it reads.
3:34
